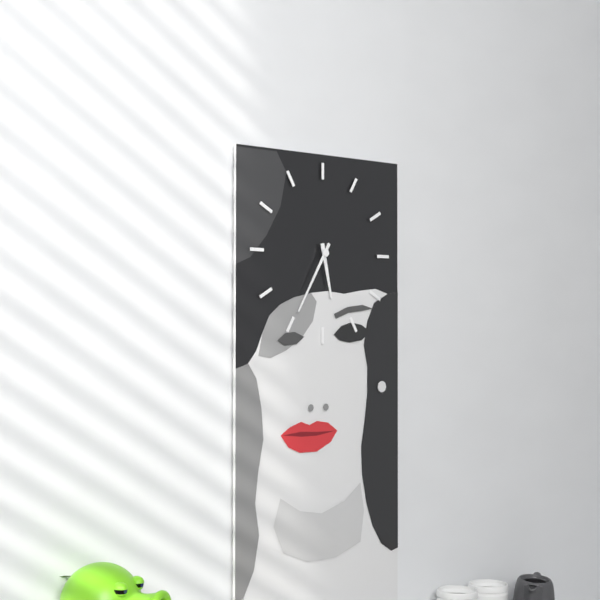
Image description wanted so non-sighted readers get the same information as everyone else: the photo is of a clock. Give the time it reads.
5:35
